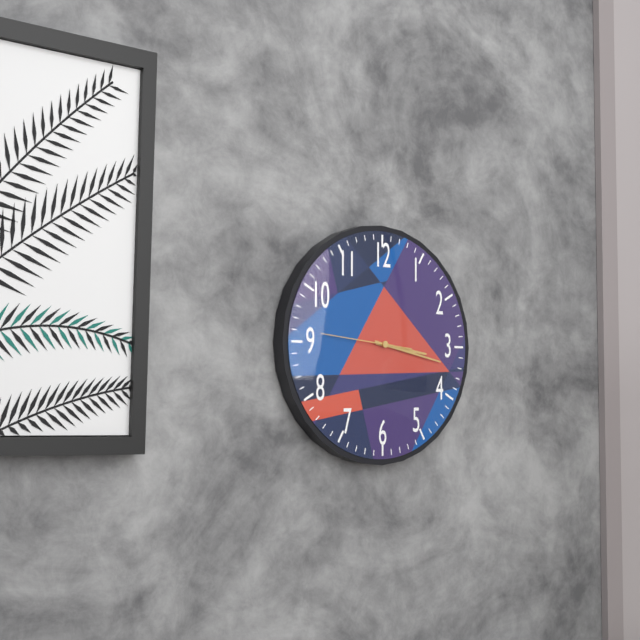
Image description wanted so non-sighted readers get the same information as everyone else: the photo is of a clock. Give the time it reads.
3:17:46
